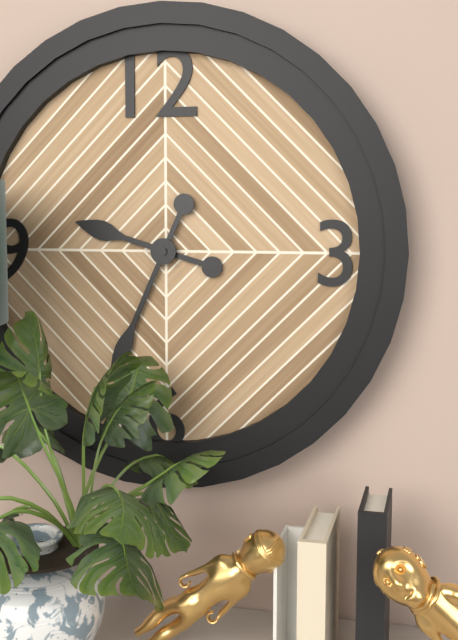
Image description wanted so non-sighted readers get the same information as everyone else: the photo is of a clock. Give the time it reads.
9:34
